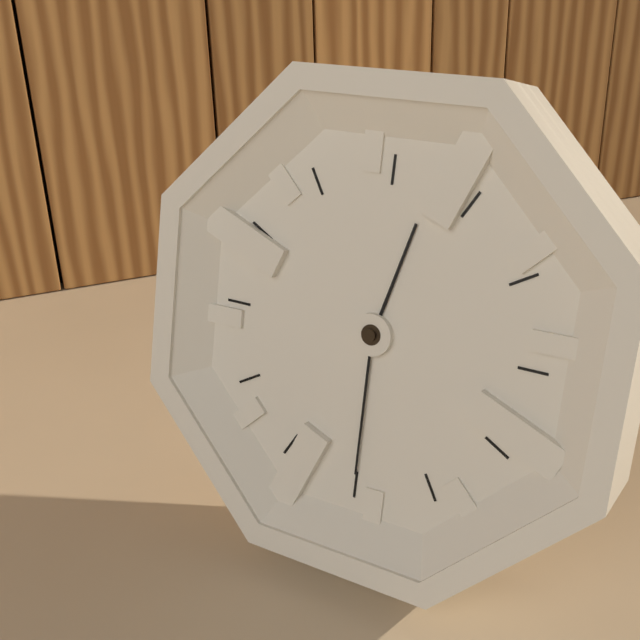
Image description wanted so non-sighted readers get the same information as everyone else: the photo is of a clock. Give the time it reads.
12:30
